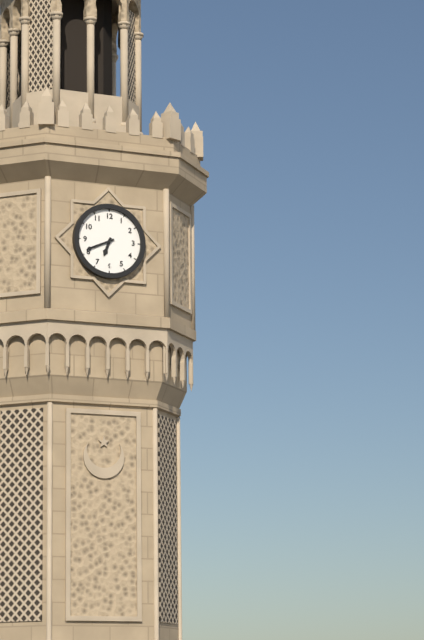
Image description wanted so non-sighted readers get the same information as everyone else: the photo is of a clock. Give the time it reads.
6:41
